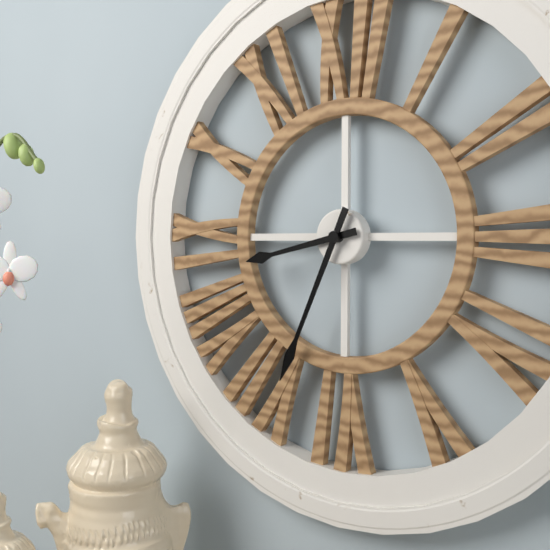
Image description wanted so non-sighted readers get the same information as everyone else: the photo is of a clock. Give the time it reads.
8:34
